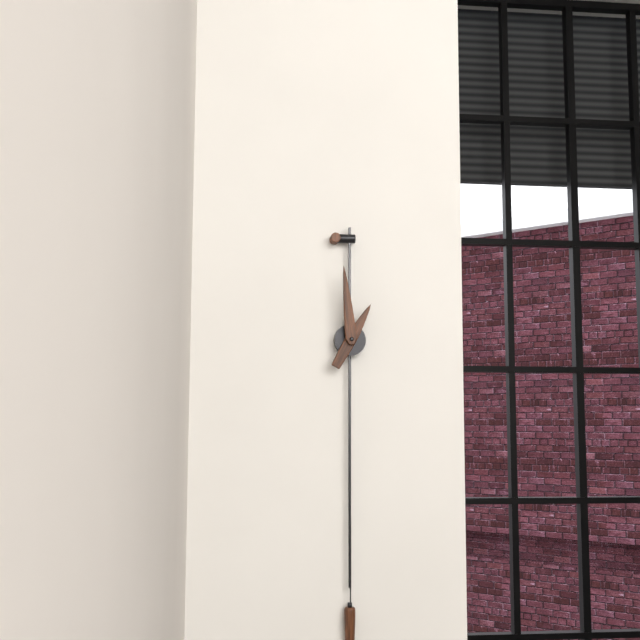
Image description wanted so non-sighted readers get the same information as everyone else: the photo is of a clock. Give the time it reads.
12:59
